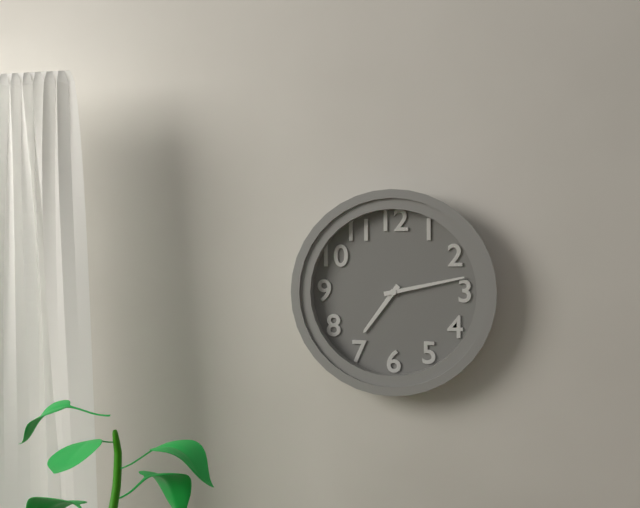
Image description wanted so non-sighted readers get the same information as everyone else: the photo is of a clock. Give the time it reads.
7:13
